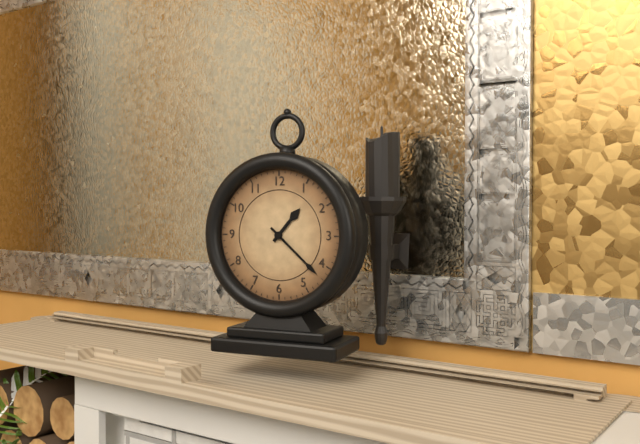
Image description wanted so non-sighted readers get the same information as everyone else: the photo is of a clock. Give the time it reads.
1:22
